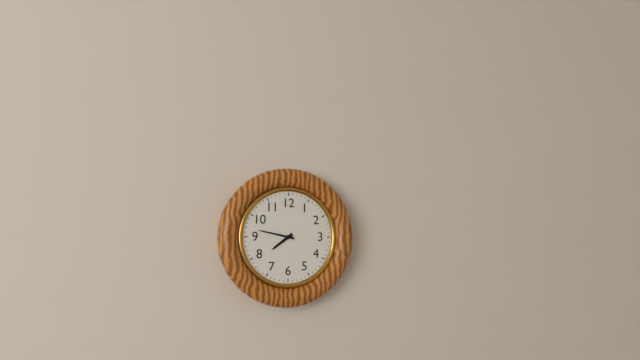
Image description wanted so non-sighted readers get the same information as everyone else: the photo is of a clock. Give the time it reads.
7:47
